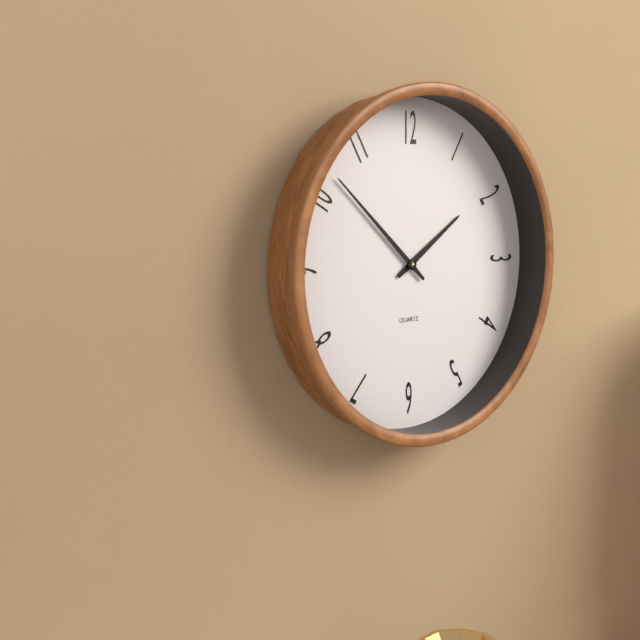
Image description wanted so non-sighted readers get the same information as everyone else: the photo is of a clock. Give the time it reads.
1:52
